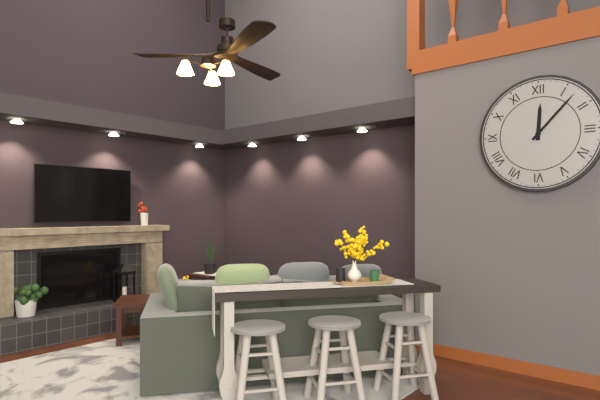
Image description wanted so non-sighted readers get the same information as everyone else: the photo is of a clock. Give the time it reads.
12:07
